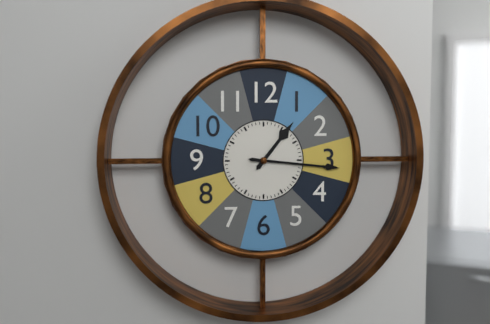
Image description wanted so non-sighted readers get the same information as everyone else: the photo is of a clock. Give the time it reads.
1:16
